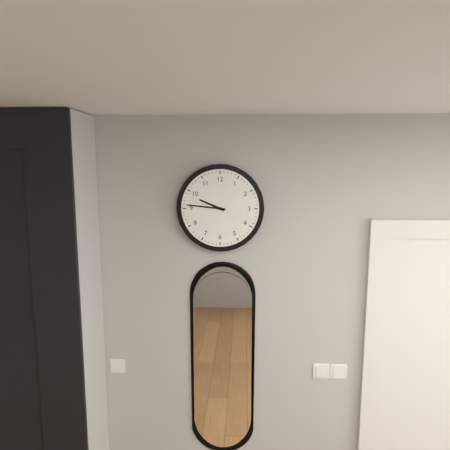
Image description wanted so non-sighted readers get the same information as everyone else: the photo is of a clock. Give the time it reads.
9:46
